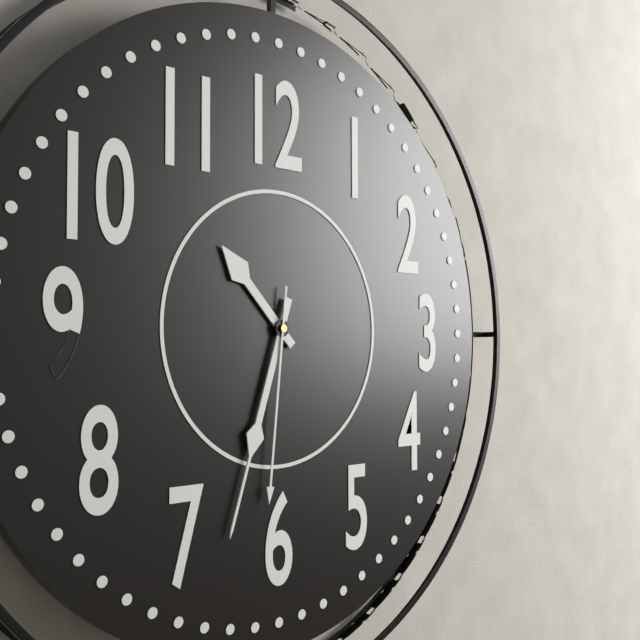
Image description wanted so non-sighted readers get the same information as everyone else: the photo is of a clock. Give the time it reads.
10:33:31
